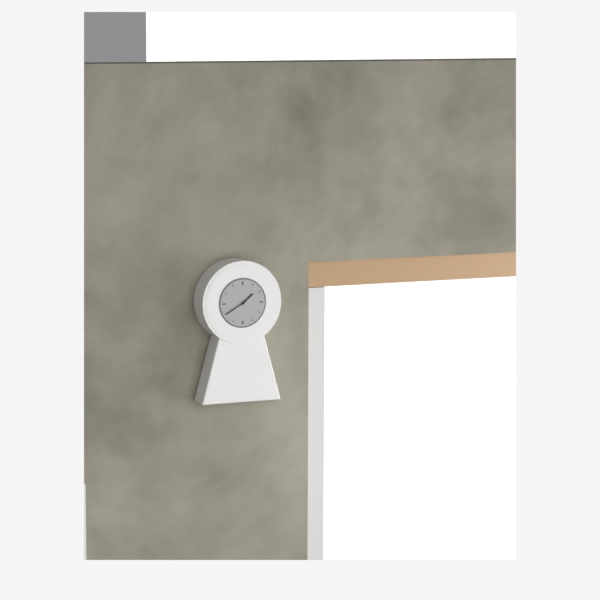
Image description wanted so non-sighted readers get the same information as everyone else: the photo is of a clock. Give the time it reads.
1:40
